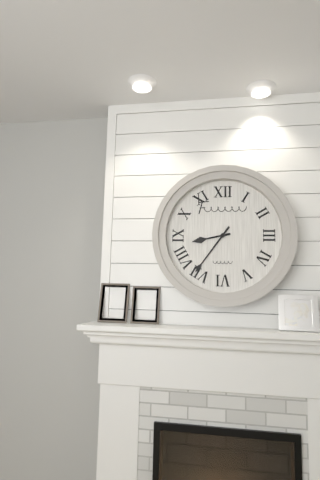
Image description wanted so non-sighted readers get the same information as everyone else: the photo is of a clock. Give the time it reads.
8:36
